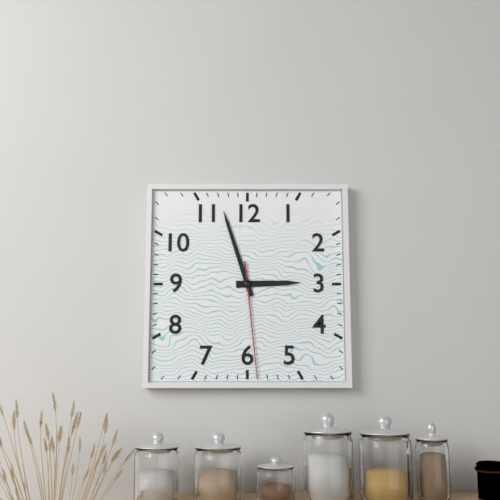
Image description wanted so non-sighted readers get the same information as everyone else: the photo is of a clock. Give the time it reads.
2:57:29
